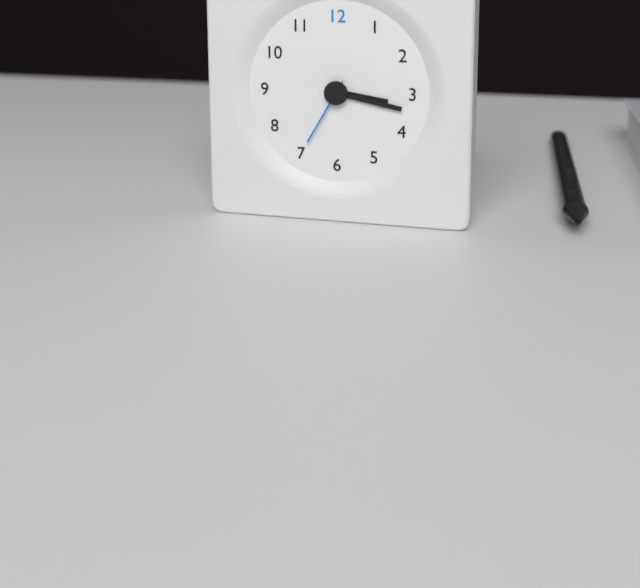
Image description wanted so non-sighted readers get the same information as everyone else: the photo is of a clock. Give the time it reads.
3:17:35
